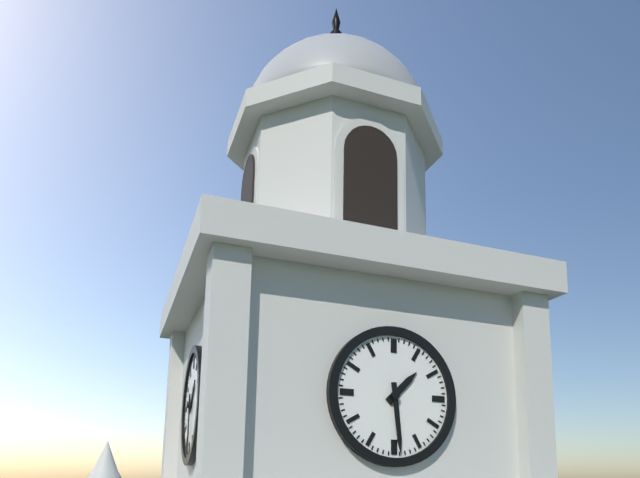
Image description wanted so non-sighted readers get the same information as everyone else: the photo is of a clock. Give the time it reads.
1:29
